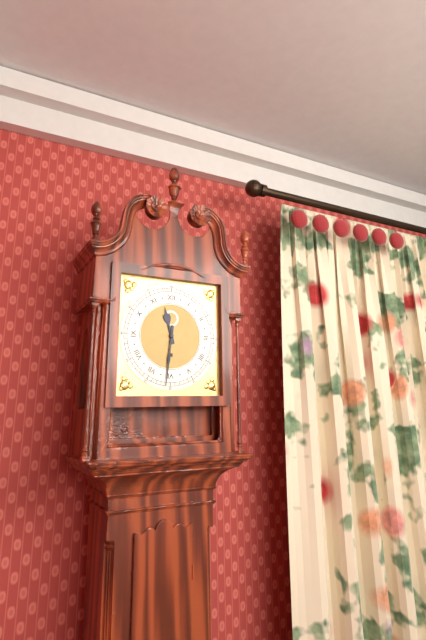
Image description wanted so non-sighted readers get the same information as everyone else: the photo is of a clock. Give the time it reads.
11:31
